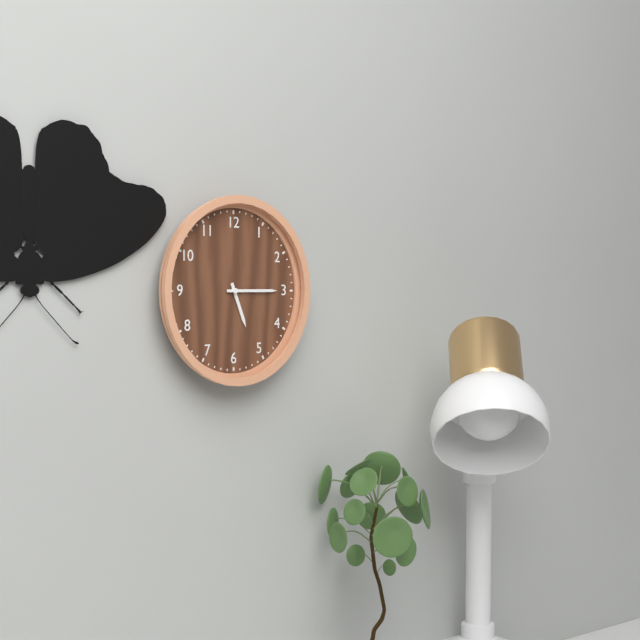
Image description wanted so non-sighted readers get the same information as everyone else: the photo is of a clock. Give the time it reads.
5:15
